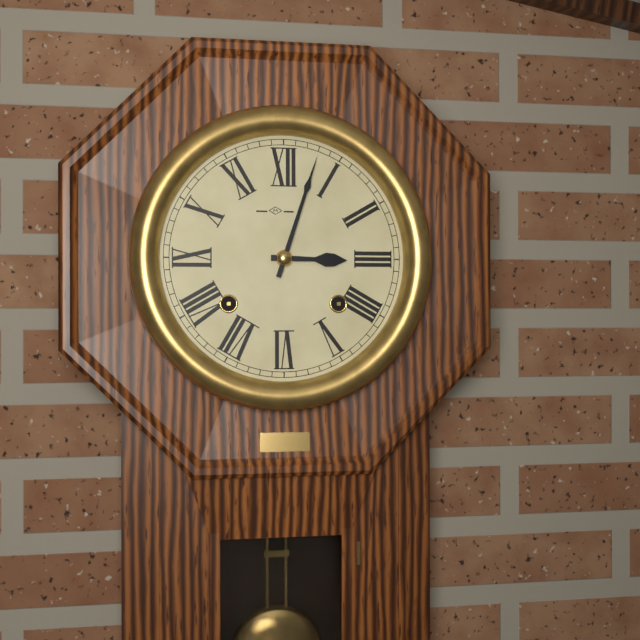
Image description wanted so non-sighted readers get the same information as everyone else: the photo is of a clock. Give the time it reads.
3:03
